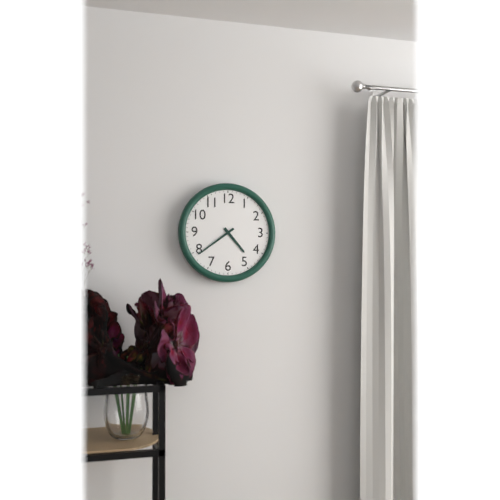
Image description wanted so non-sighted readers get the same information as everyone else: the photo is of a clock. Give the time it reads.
4:39
